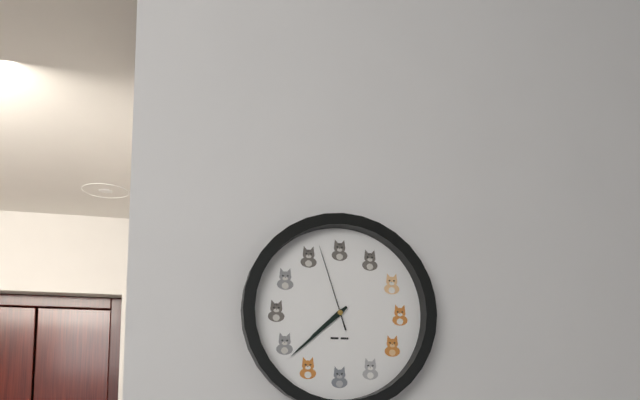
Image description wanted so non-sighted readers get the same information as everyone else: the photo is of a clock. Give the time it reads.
7:38:57
